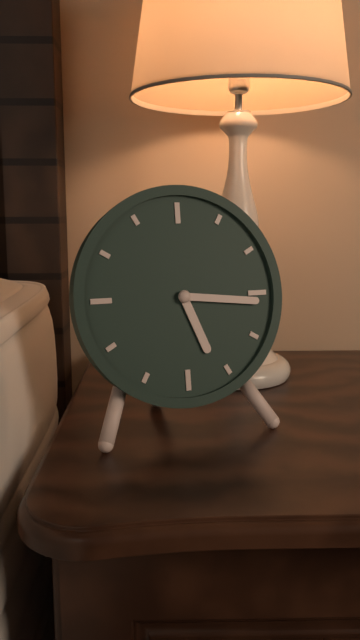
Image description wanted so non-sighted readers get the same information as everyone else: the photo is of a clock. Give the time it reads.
5:16
